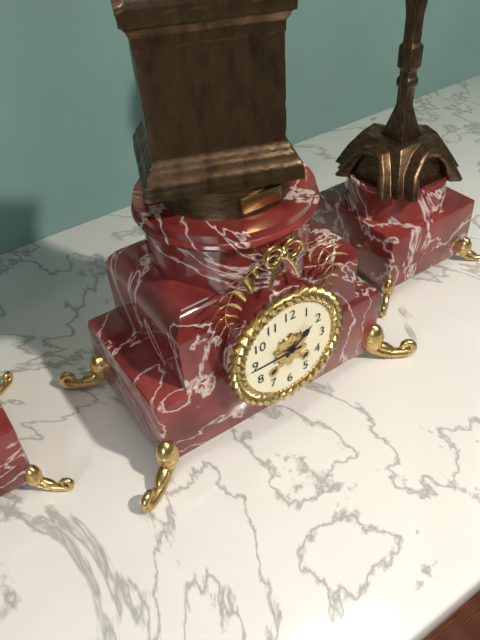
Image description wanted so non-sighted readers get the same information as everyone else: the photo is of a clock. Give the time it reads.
1:45
